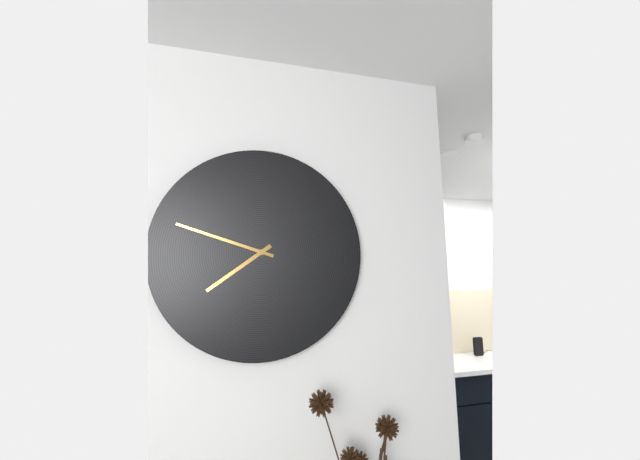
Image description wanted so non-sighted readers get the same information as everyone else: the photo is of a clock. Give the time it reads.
7:48
